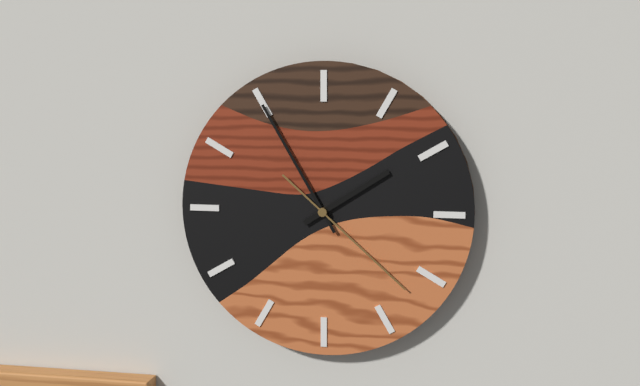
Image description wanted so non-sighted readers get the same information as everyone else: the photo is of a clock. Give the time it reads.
1:55:22
